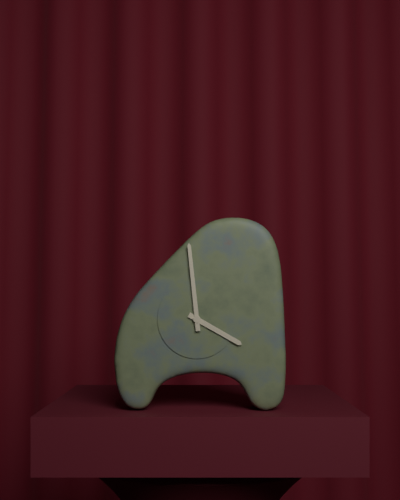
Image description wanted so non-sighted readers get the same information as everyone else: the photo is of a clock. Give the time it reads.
3:59
